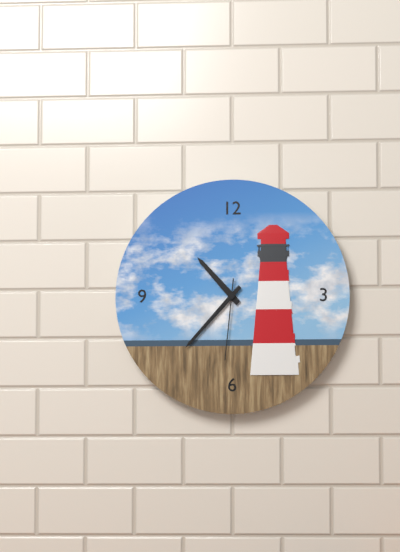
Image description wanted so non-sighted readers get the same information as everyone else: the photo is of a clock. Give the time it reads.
10:37:31
